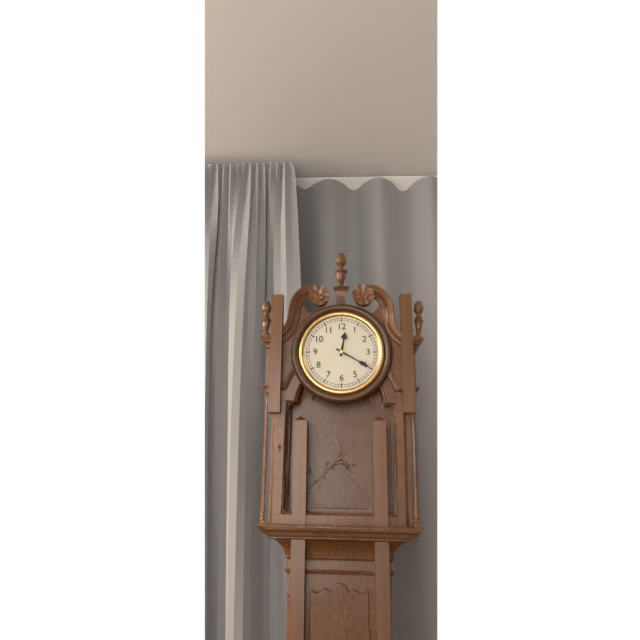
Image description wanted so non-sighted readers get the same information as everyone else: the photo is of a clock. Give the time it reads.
12:20
